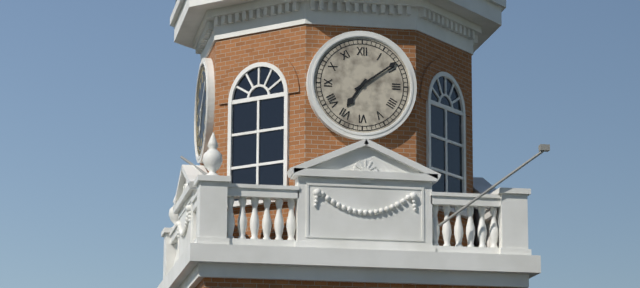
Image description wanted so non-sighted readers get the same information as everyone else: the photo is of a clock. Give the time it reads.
7:09
